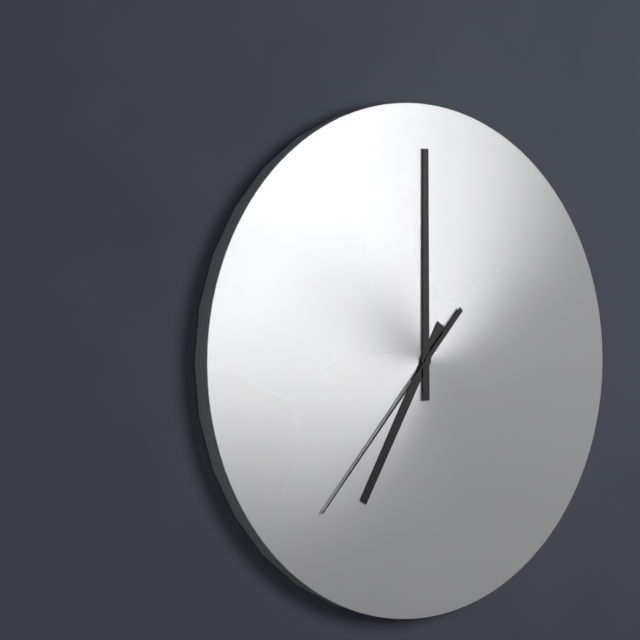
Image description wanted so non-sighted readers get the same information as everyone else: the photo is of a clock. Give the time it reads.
7:00:37
